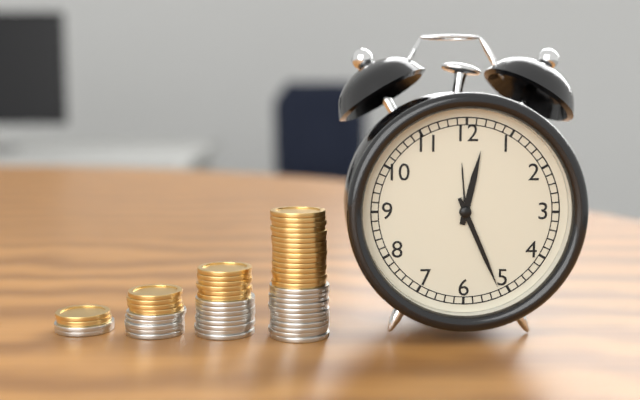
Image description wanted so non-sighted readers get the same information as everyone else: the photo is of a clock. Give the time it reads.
12:26
